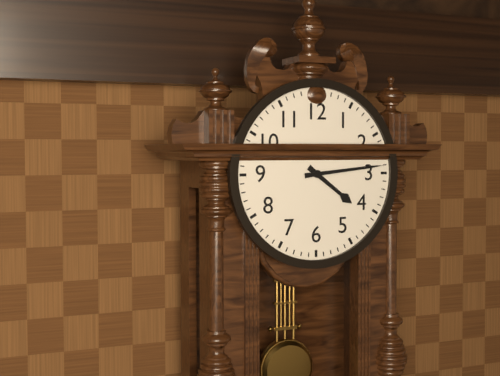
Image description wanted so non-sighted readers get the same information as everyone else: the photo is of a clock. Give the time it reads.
4:14
